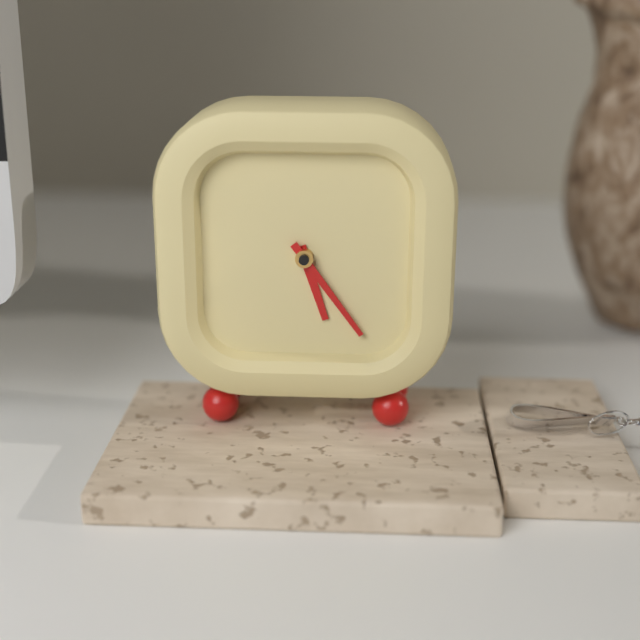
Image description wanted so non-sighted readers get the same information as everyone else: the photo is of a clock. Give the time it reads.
5:24
